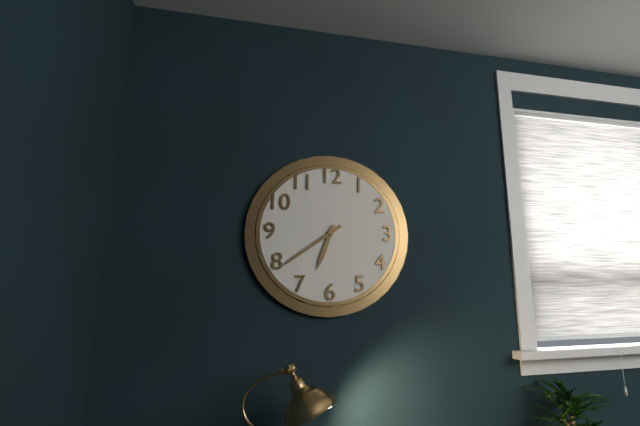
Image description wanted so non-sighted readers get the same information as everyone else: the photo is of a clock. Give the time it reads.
6:39
